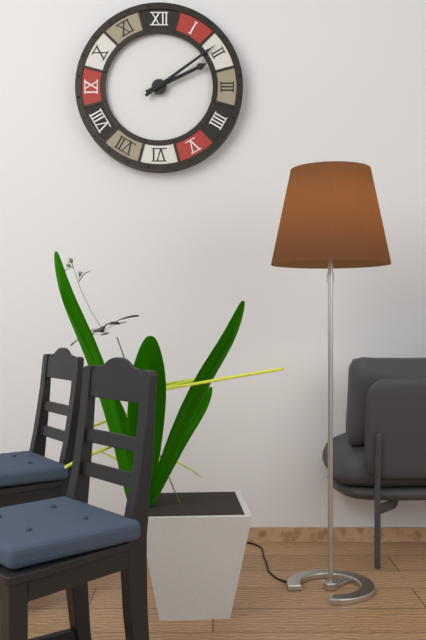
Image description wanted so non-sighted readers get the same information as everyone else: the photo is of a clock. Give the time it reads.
2:09
